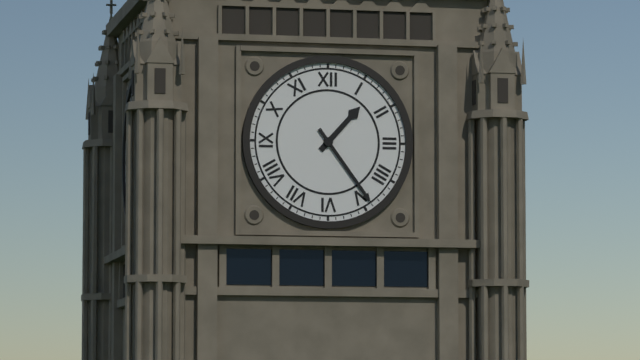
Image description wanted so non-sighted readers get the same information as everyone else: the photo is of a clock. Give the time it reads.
1:24
